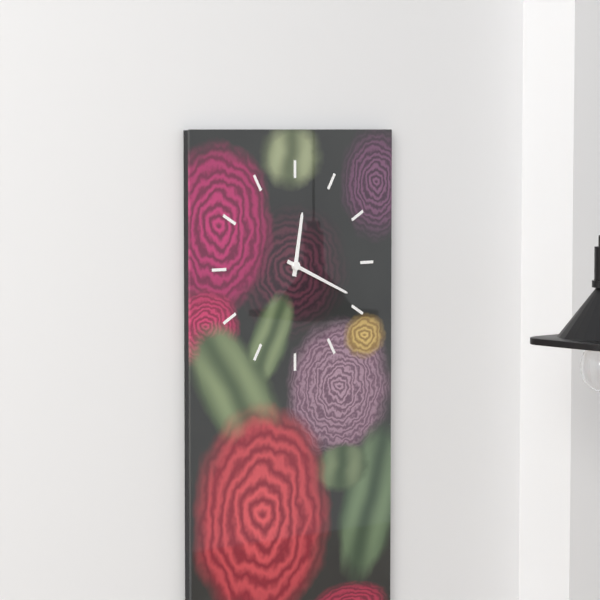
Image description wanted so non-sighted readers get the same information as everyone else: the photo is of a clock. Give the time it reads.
12:19
